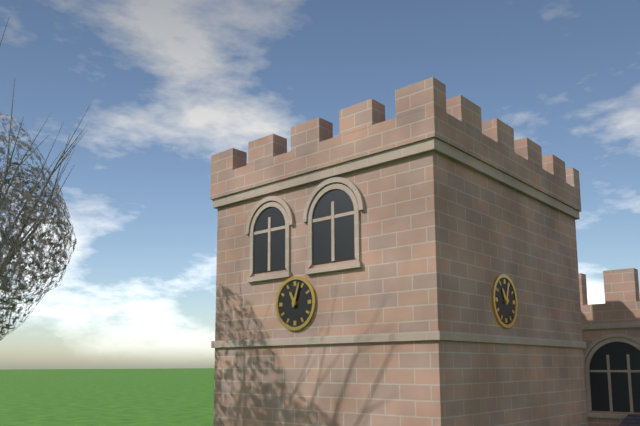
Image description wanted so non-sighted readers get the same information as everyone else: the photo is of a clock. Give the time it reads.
11:03
